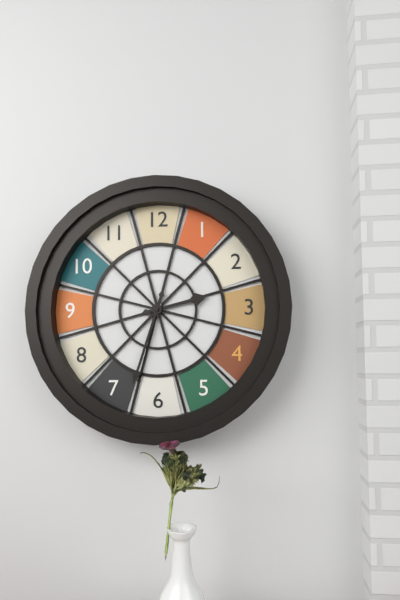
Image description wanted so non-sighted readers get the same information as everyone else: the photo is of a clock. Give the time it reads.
2:33
